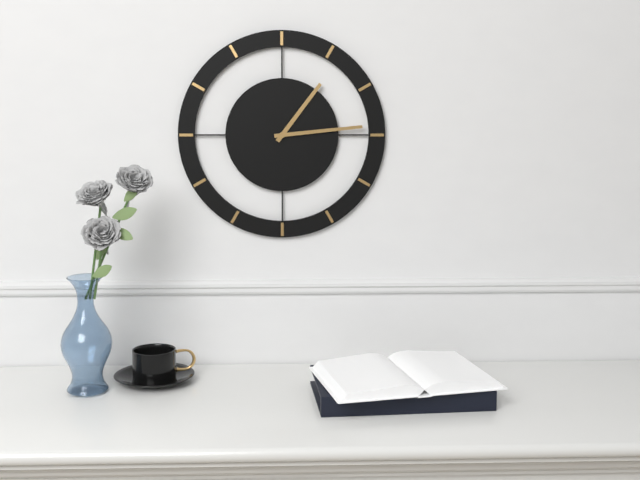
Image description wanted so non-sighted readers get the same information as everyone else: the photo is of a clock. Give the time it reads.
1:14
